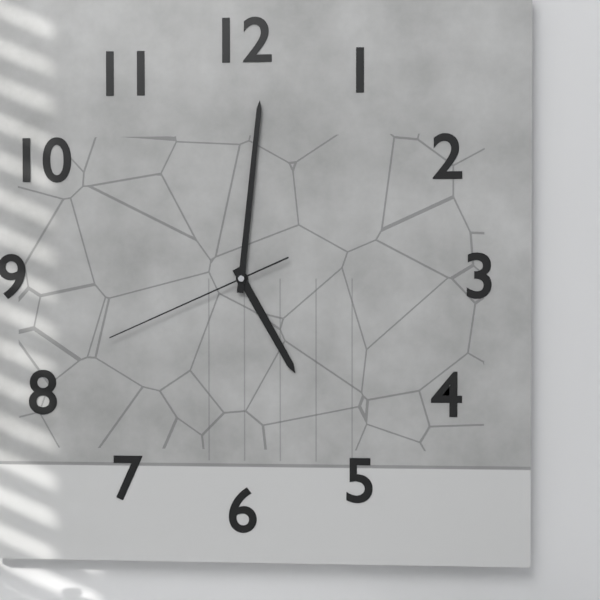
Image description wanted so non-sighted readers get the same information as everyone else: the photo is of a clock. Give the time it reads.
5:01:41
